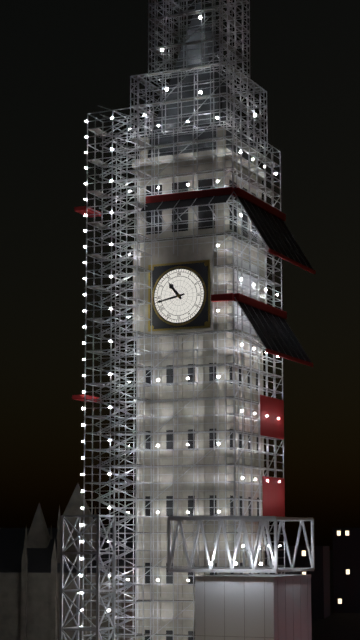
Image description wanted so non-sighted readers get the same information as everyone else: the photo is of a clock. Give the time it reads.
10:43
